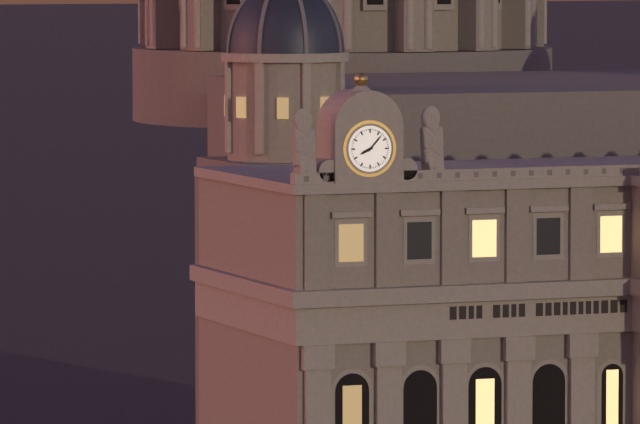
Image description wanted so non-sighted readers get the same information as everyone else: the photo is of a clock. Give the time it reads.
8:07
